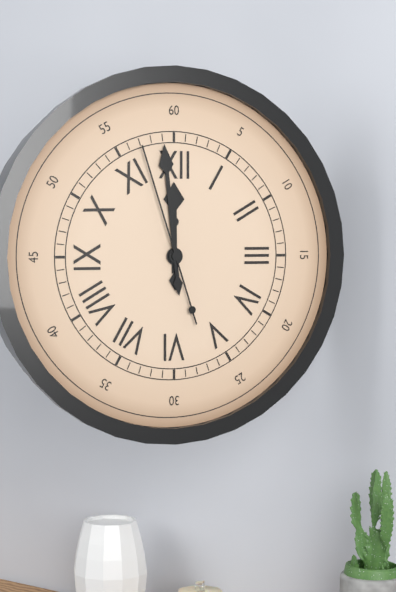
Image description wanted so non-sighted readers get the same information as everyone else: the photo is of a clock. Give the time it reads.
11:59:57
